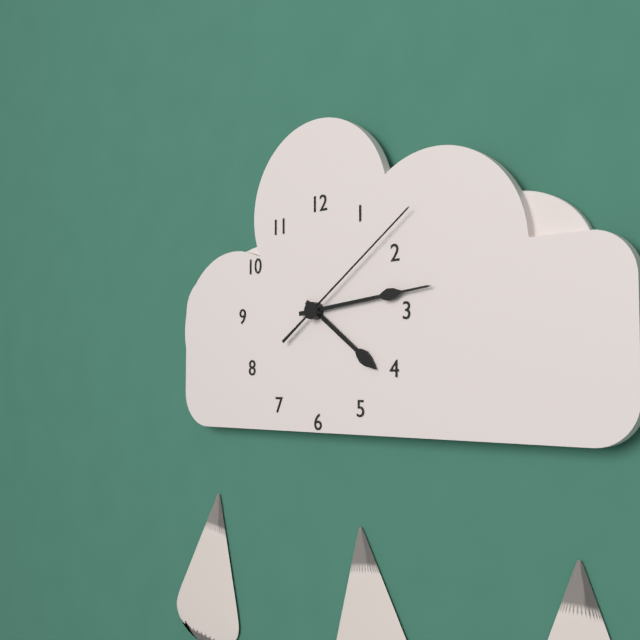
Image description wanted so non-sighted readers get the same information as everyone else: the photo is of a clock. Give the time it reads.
4:14:09
